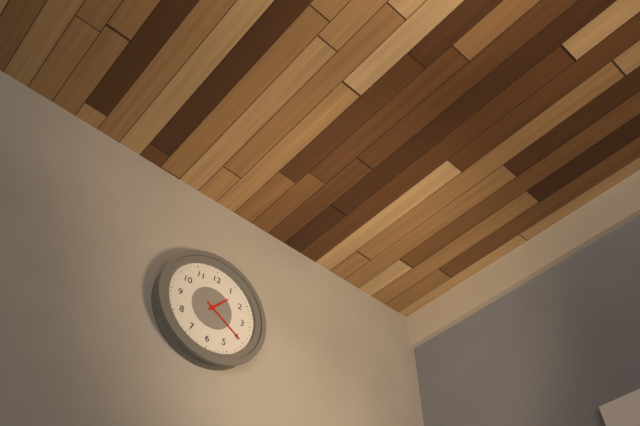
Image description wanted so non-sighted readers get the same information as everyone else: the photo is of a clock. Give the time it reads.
1:20
